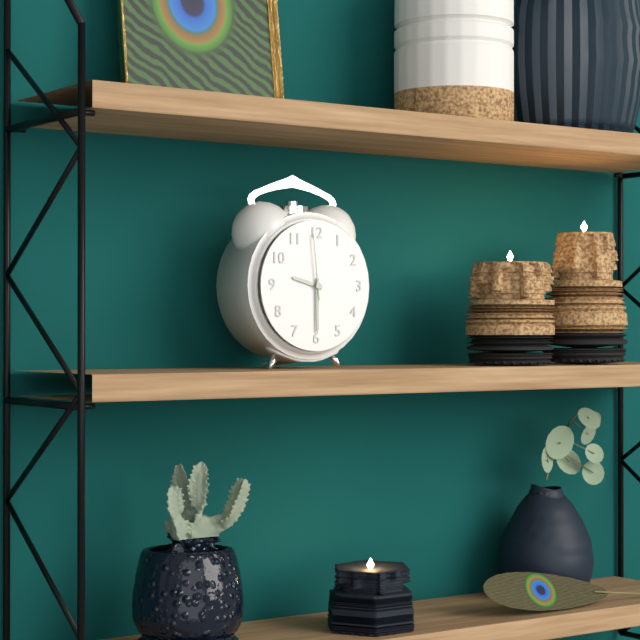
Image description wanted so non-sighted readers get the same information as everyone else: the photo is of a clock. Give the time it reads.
9:30:59
